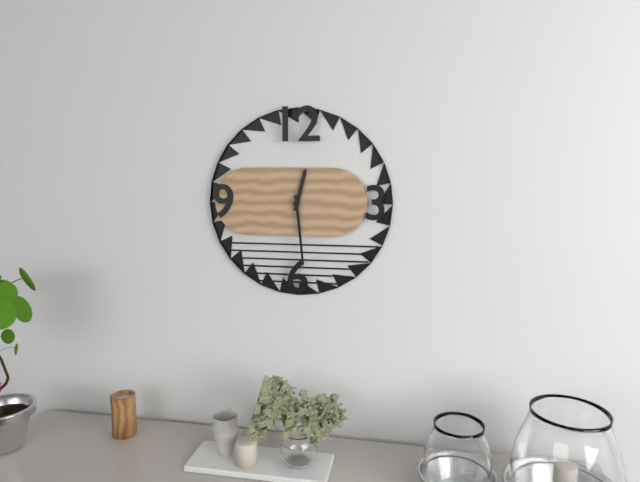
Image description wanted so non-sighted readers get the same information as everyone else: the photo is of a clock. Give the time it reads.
12:29
